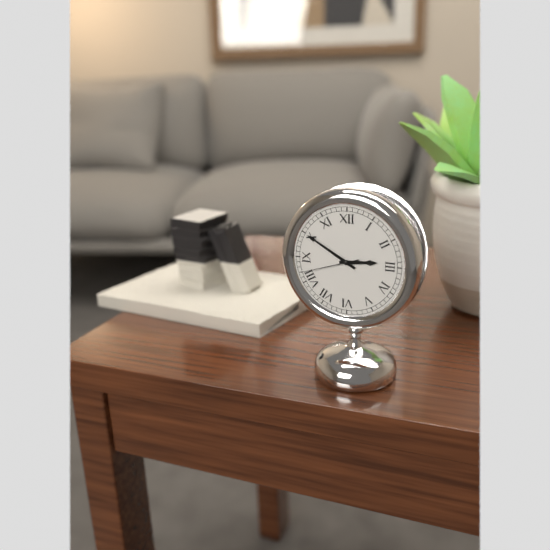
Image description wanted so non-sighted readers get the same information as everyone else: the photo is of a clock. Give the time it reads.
2:50:42
